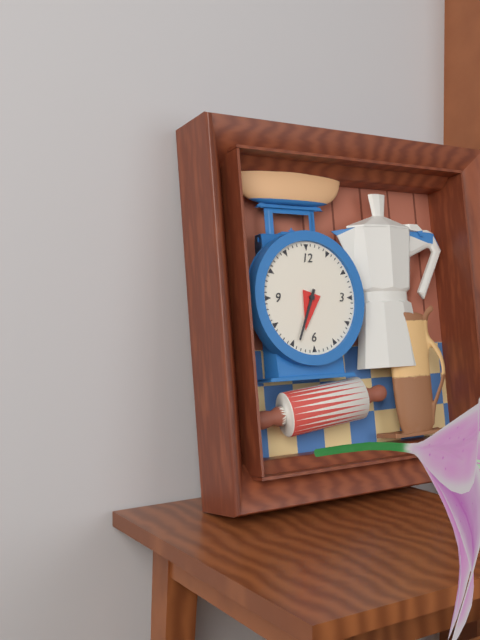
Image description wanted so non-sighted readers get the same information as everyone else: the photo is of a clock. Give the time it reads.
6:34
